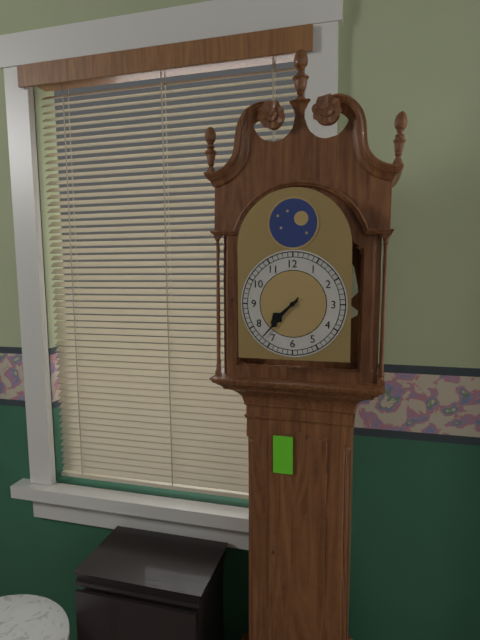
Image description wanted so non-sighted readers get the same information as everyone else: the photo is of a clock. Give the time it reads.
7:37
